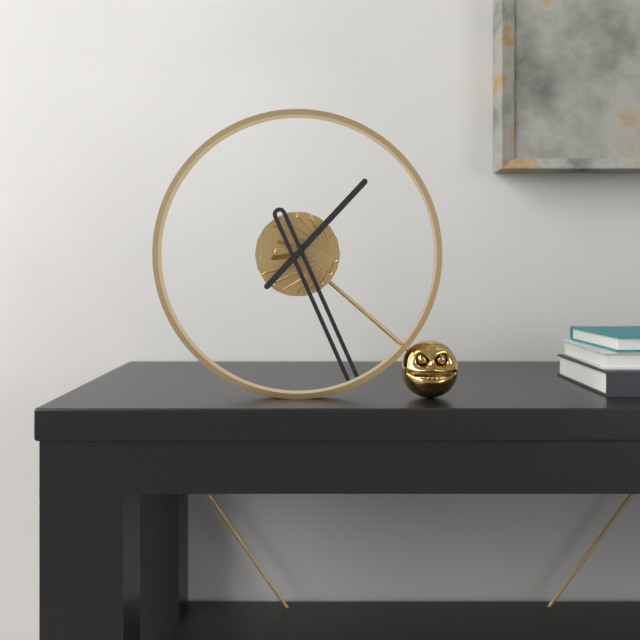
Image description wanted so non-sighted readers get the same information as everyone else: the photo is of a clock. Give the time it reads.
1:26
